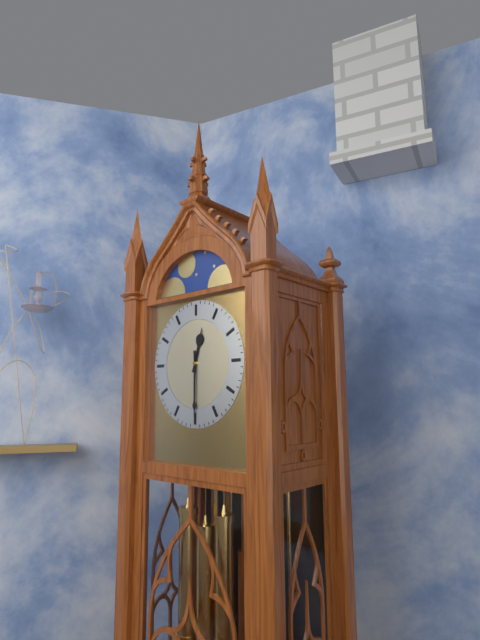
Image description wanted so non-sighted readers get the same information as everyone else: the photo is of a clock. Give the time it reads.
12:30
